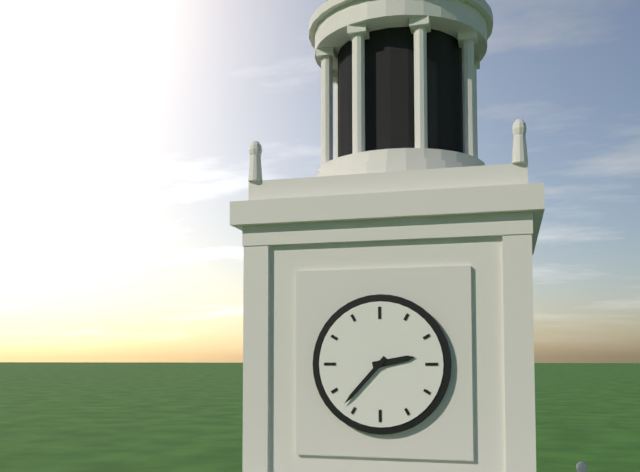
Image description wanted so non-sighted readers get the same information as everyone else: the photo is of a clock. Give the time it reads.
2:37
